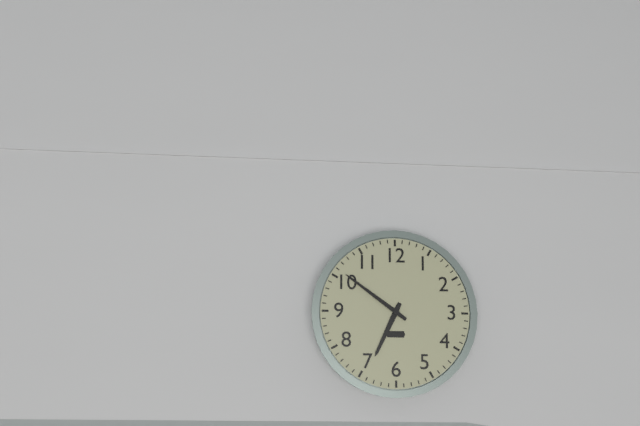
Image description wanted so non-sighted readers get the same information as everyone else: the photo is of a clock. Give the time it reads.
6:51
